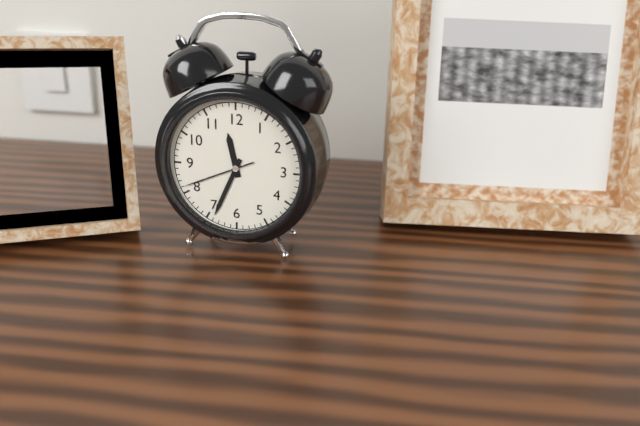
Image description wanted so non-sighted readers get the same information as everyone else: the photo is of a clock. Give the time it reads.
11:34:41
